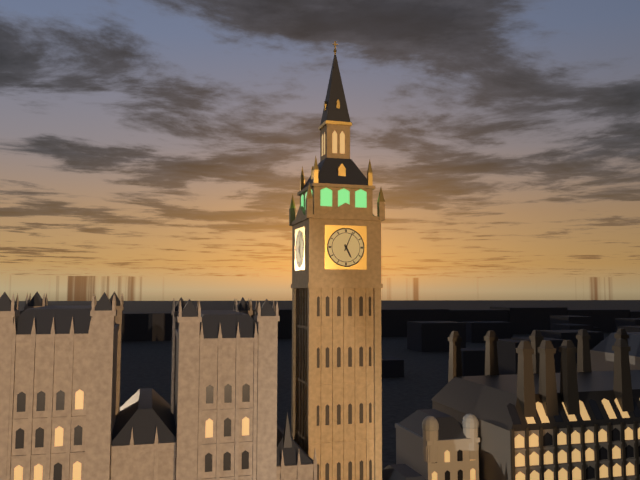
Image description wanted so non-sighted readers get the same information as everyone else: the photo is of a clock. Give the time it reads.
5:04
